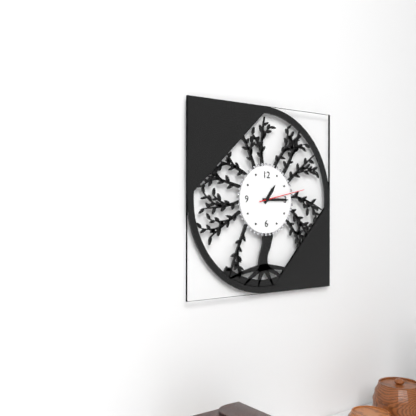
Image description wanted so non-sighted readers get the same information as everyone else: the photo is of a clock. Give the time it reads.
1:15
